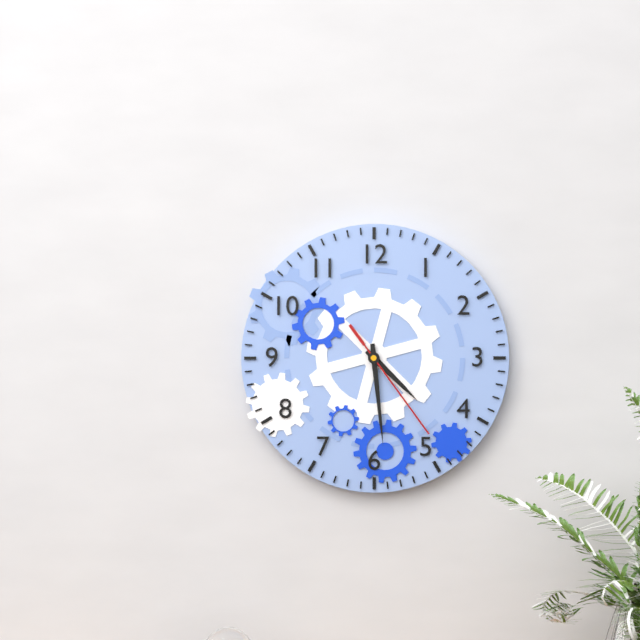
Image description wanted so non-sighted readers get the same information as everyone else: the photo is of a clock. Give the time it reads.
4:29:24
